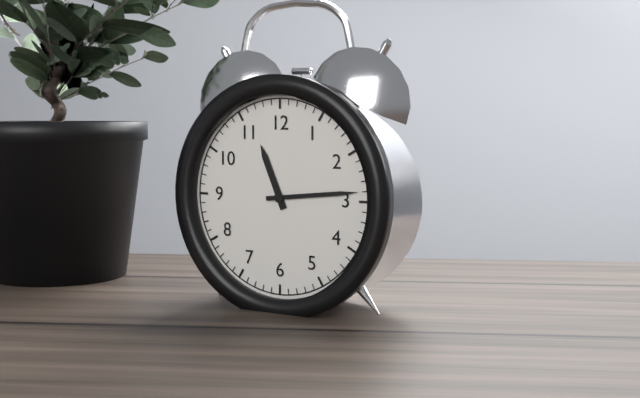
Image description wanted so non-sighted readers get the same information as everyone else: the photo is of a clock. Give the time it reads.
11:14
